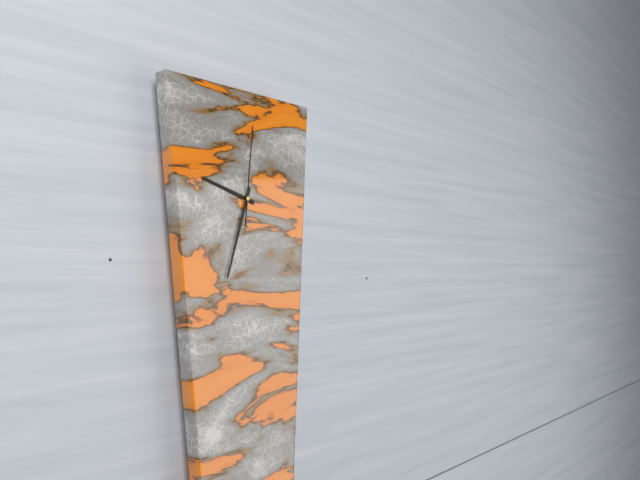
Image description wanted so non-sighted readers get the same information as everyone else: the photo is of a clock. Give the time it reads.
9:33:01
